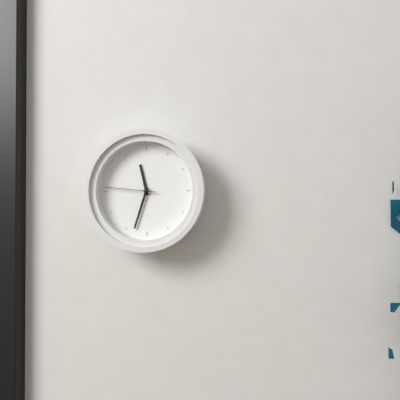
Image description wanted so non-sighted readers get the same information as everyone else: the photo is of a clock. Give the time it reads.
11:33:46
